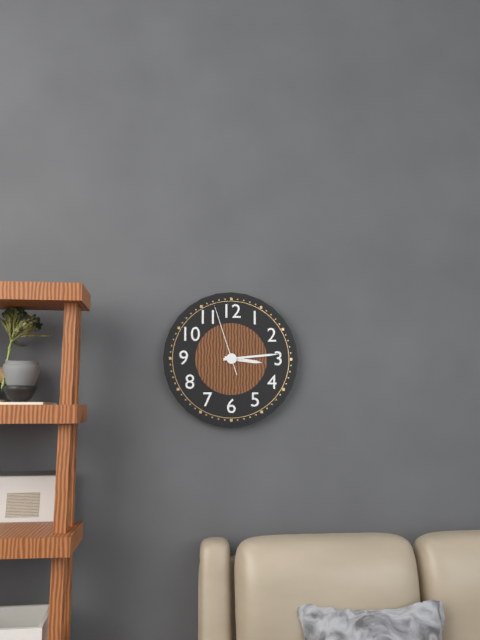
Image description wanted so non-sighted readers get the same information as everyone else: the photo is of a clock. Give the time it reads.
3:14:57
